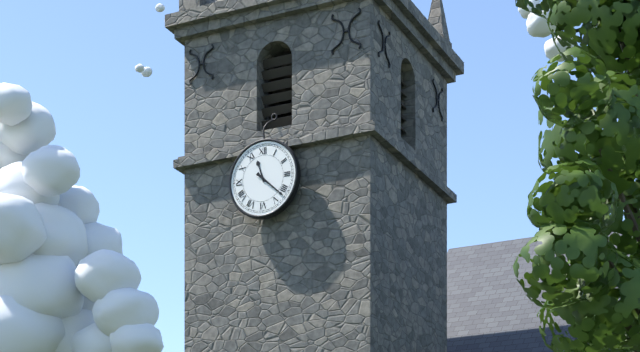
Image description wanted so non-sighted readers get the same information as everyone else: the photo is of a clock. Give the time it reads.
11:22
